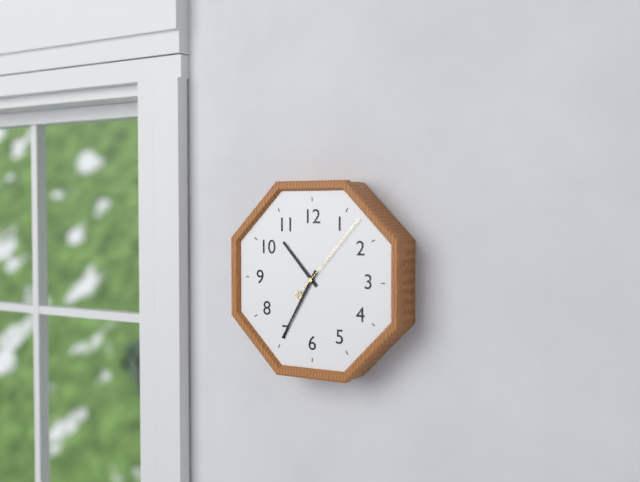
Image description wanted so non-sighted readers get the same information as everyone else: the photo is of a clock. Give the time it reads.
10:35:07
